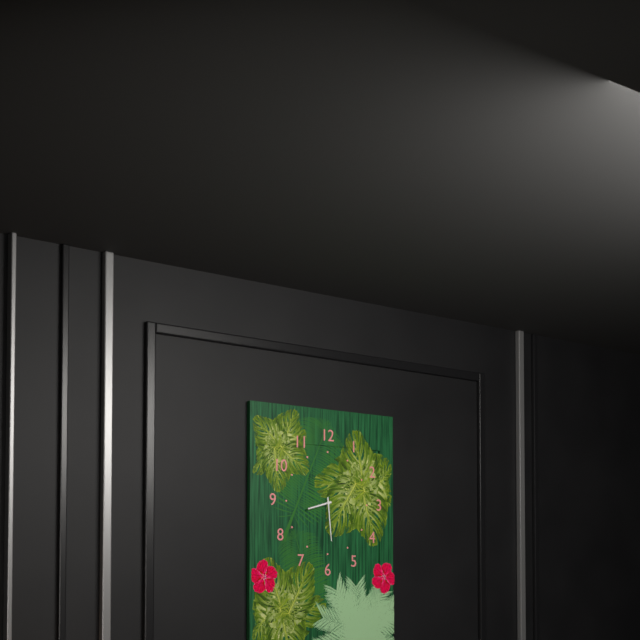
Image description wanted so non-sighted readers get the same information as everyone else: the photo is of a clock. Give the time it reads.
8:29
